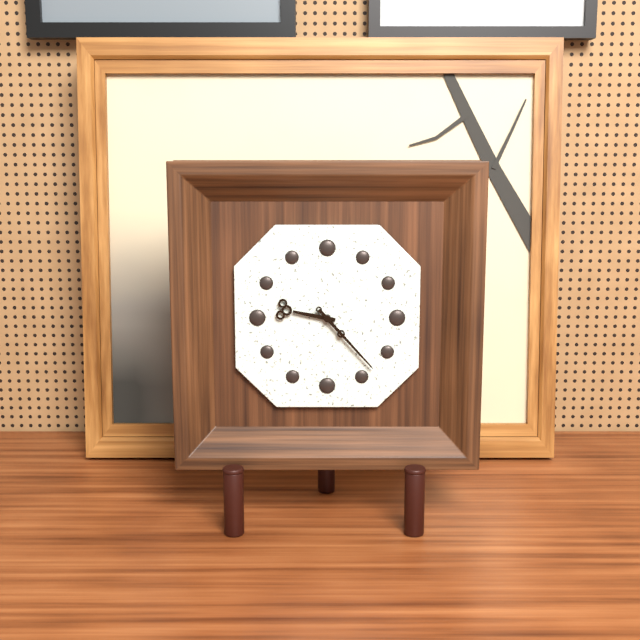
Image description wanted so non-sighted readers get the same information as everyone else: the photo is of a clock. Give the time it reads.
9:23
